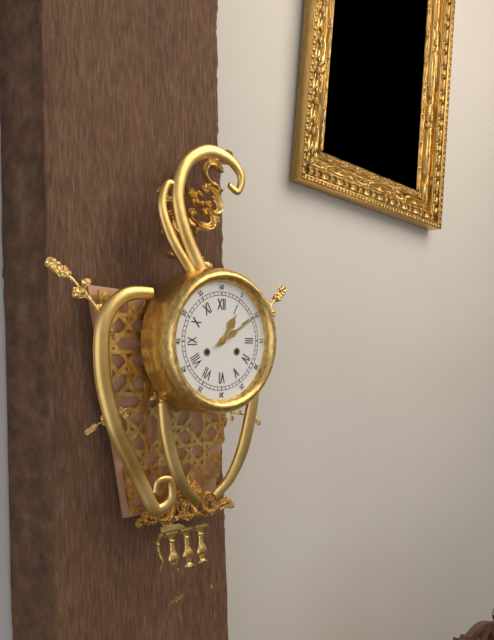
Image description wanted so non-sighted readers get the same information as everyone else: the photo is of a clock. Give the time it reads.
1:10
